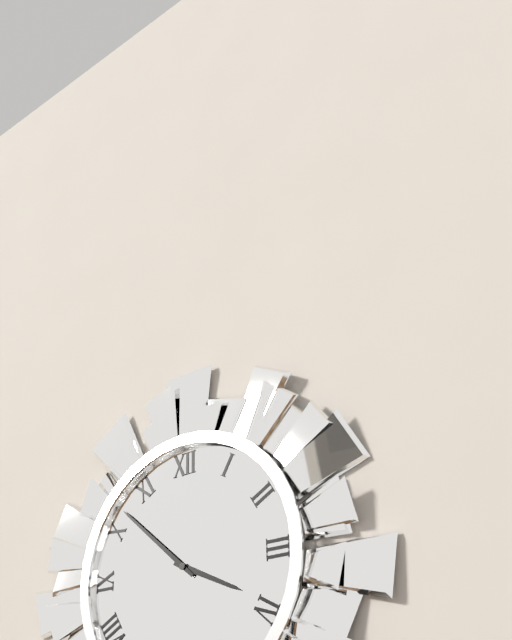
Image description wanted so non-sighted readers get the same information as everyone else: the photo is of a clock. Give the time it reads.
3:52
